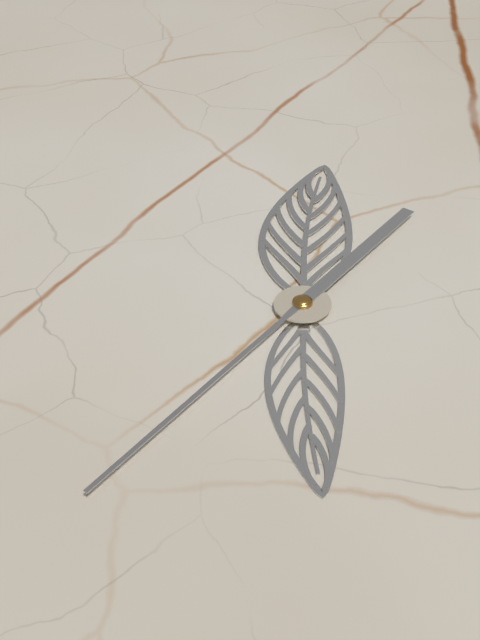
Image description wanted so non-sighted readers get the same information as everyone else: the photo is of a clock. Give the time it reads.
11:29:04
